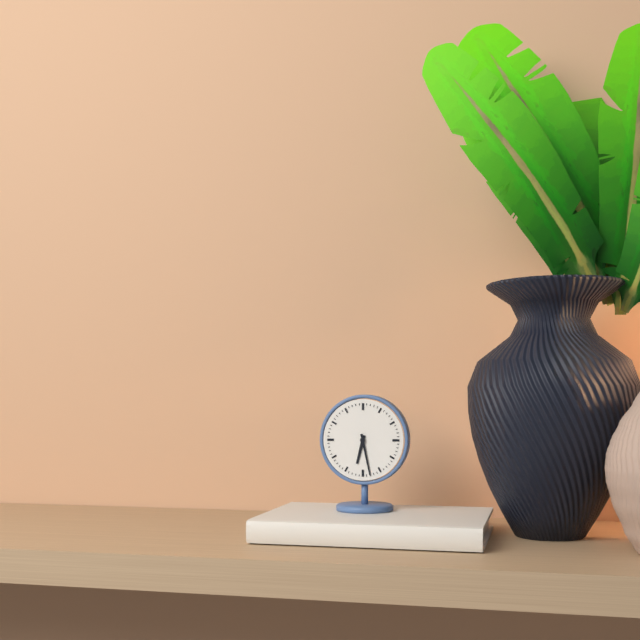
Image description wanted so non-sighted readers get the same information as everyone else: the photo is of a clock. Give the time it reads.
6:28
